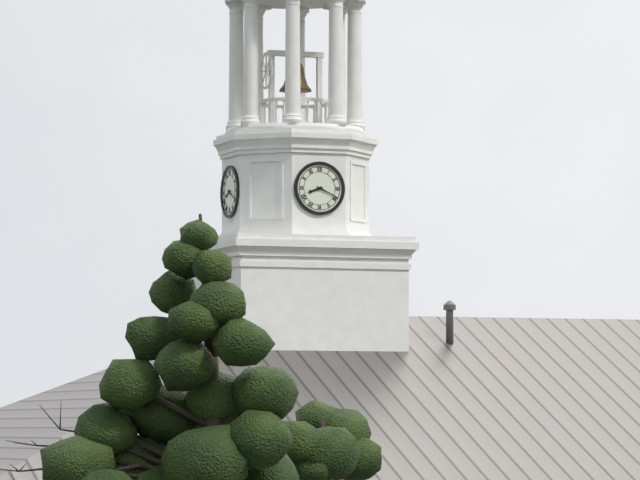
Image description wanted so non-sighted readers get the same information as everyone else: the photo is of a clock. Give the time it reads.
8:19
